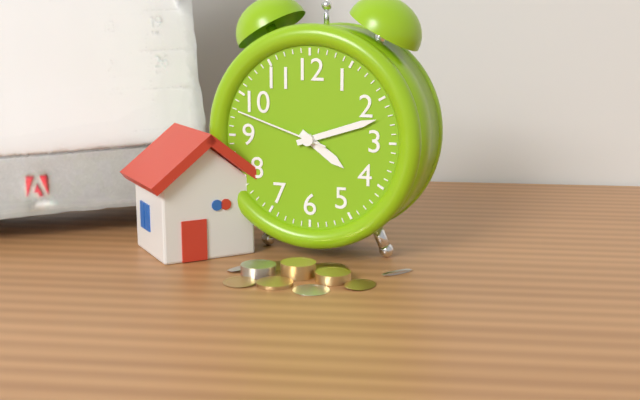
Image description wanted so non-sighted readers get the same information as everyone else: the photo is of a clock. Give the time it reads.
4:12:48
